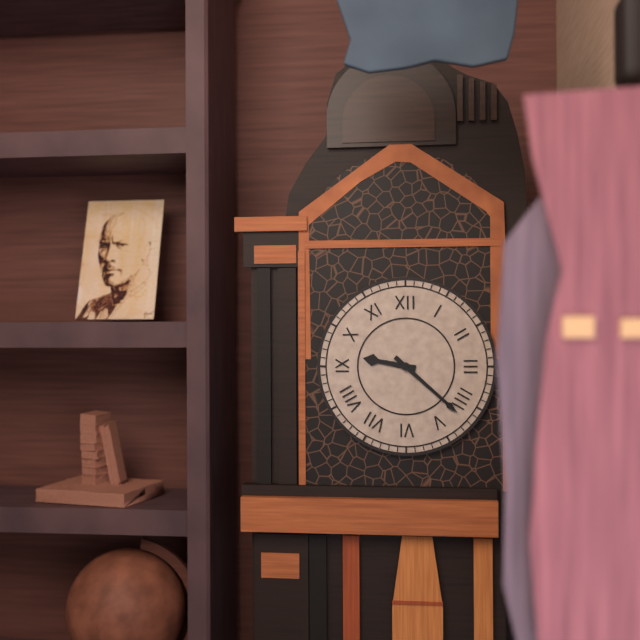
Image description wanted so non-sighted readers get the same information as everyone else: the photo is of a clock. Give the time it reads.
9:22
